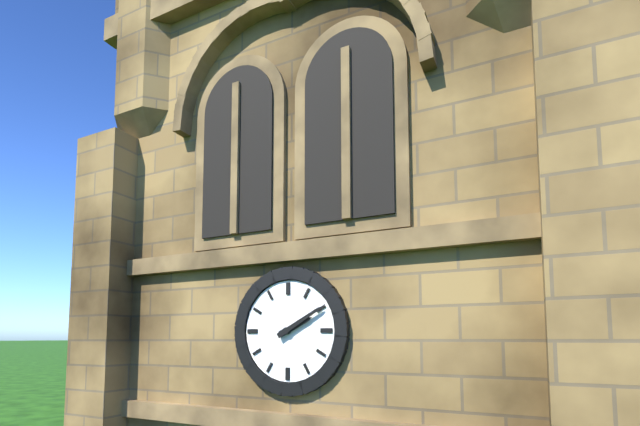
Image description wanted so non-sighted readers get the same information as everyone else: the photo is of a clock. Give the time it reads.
2:10
